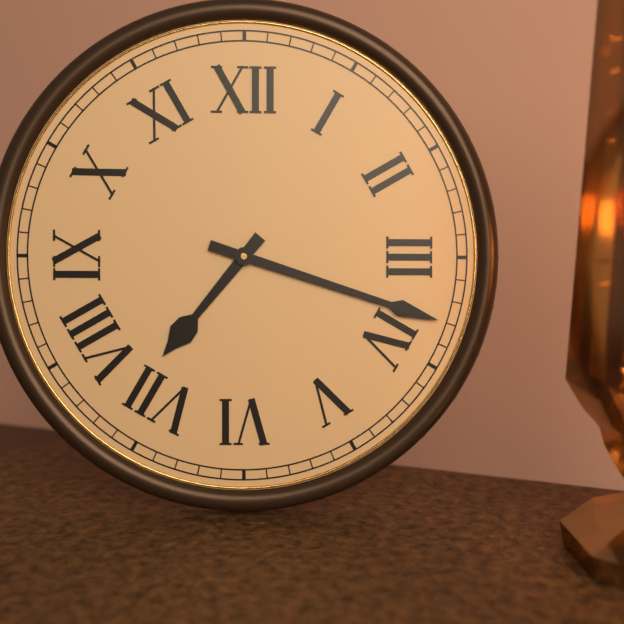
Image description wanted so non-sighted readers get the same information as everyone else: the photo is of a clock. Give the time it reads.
7:18
